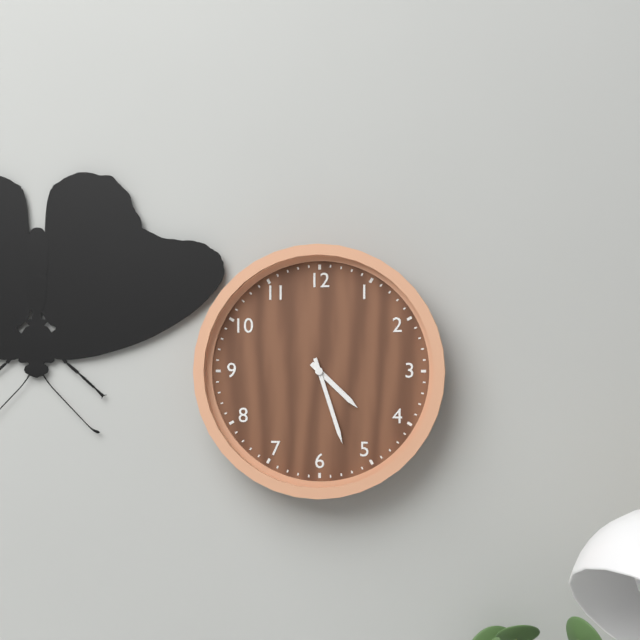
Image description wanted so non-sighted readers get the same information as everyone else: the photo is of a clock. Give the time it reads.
4:27
